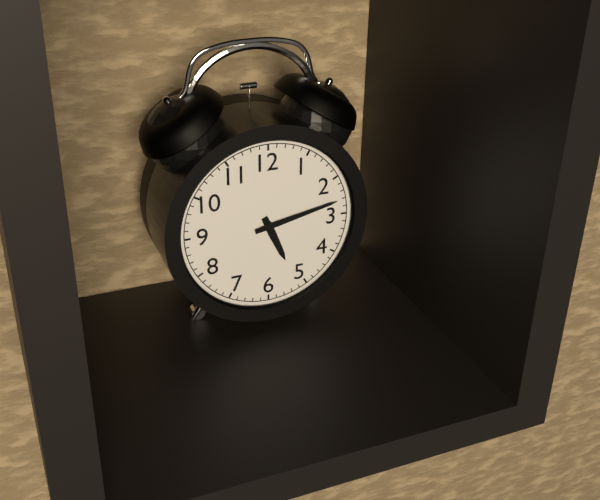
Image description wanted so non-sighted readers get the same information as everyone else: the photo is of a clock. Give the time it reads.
5:13
